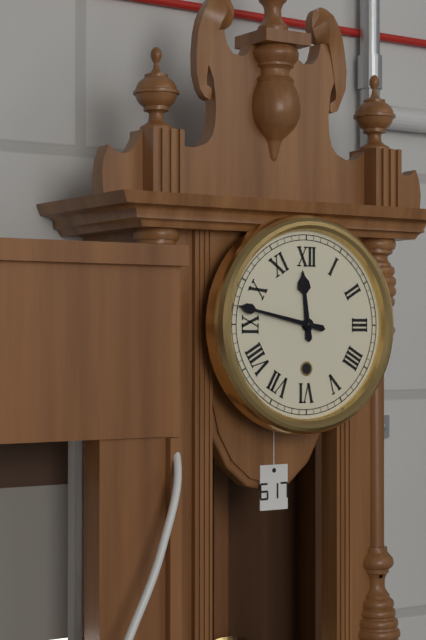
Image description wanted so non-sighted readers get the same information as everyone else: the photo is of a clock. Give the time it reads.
11:47
